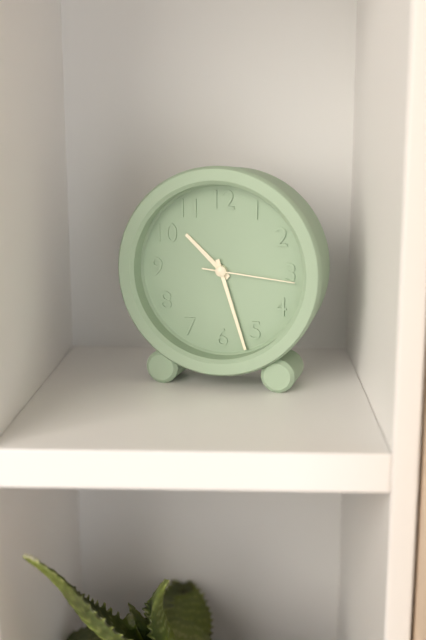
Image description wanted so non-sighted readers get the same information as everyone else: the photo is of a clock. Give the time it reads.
10:27:16
